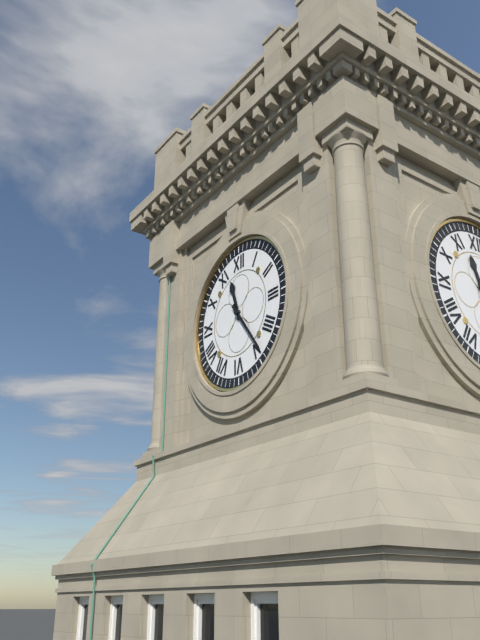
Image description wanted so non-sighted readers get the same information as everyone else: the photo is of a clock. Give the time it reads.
11:24
